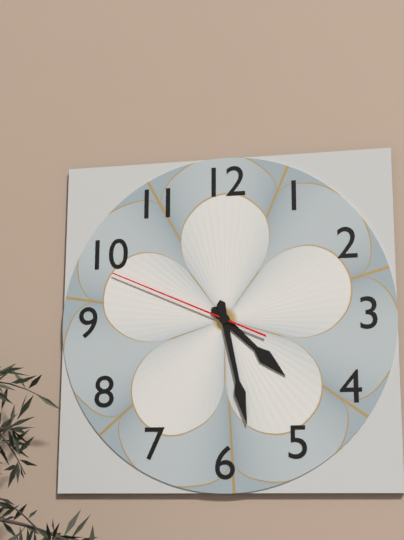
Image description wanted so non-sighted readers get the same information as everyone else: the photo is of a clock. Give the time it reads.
4:28:49
